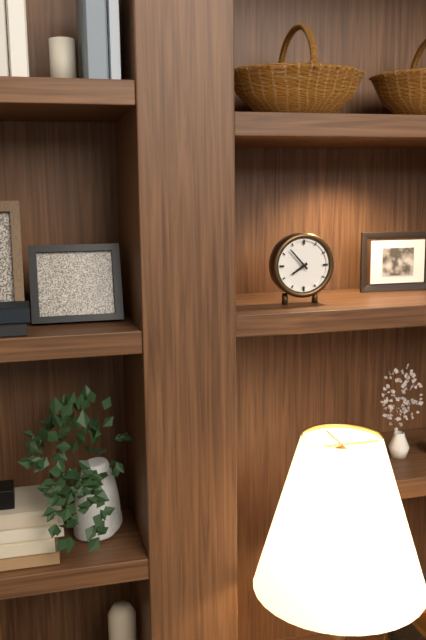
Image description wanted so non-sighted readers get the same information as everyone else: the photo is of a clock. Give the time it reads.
7:53
